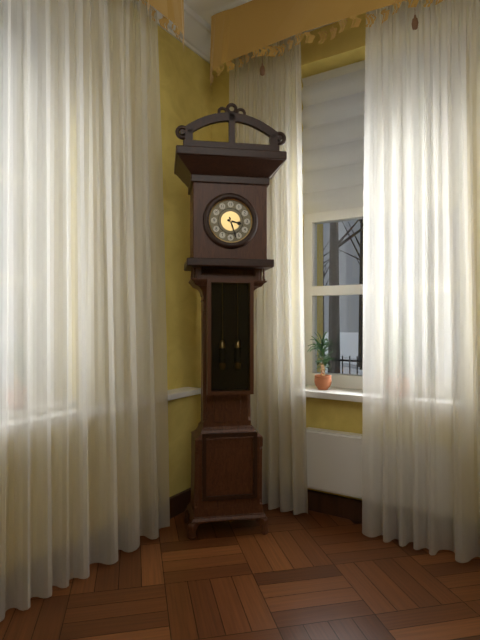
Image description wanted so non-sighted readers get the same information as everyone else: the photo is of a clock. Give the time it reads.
3:27
